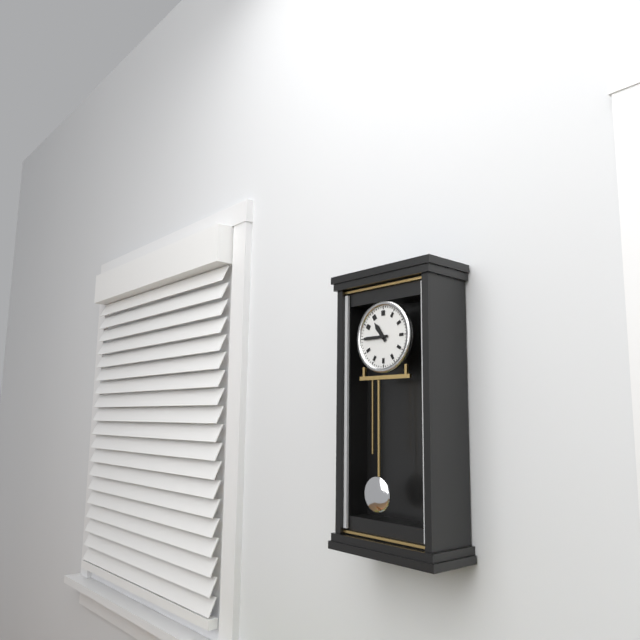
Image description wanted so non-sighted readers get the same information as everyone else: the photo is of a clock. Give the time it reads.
10:45
